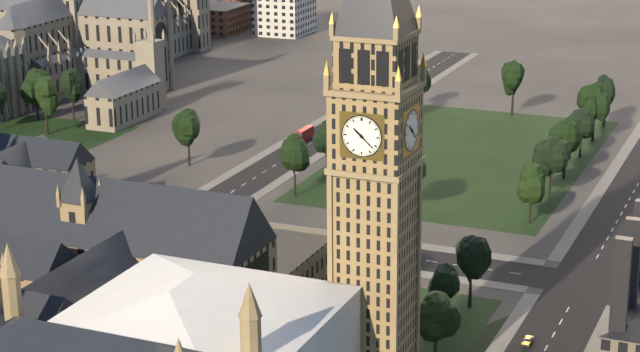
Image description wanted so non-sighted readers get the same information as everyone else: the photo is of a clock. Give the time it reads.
10:22
